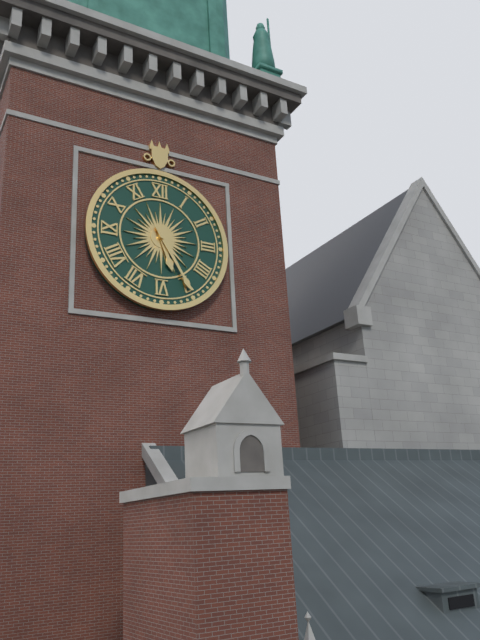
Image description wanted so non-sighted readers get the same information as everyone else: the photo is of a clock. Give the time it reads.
5:25
